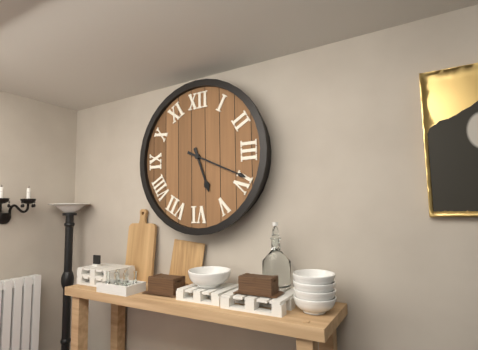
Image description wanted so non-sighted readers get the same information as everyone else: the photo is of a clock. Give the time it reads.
5:19
